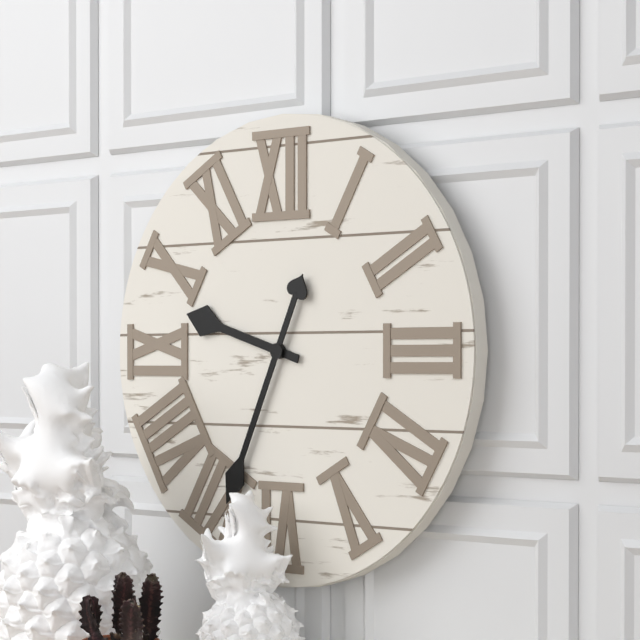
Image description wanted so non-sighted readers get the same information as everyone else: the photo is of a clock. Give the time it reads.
9:34
